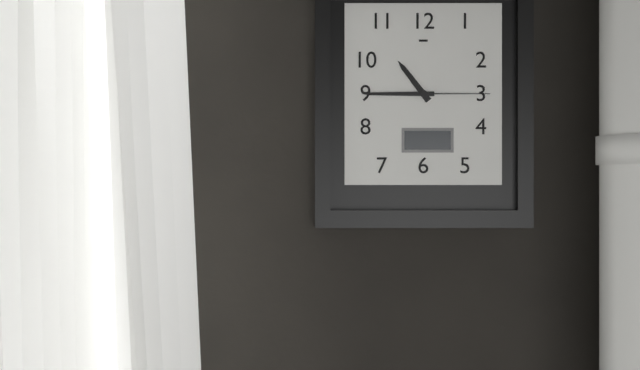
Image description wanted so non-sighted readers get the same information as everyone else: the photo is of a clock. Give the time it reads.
10:45:15
